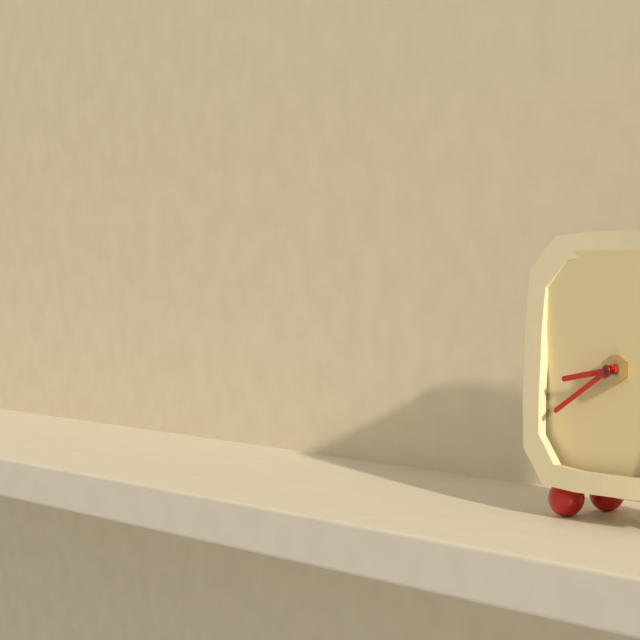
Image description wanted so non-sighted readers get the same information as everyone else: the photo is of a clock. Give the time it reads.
8:40
